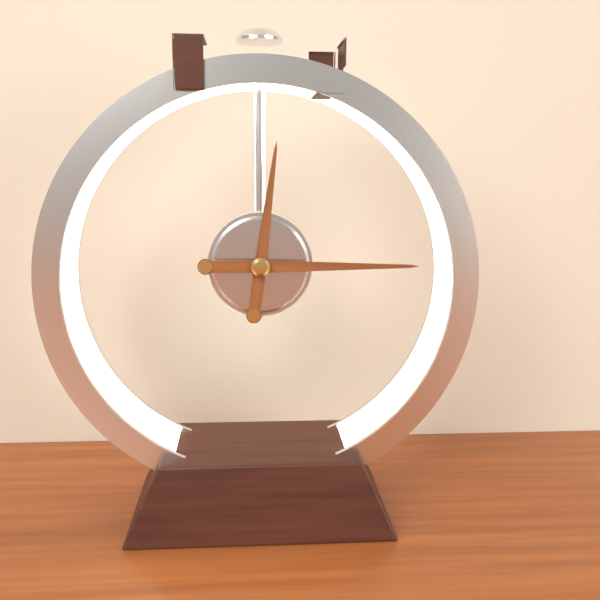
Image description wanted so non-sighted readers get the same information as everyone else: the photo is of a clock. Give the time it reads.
12:15
